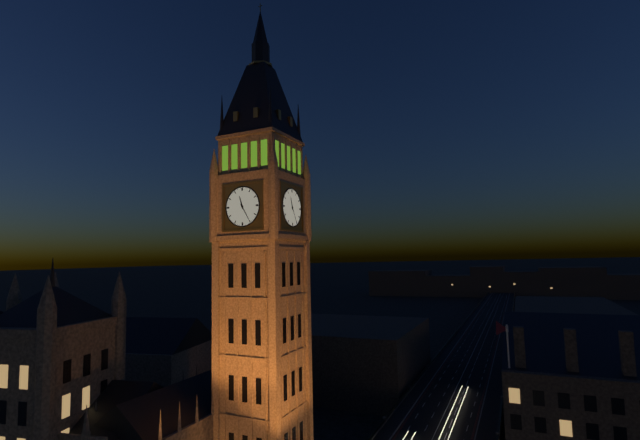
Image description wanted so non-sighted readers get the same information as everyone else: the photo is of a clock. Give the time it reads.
11:25
